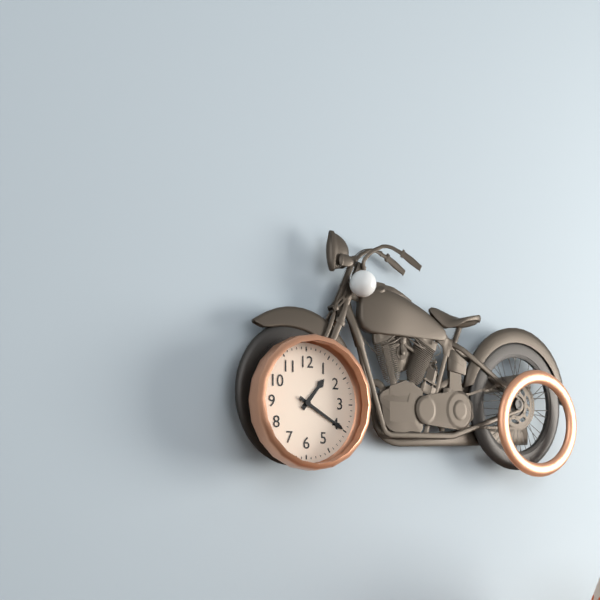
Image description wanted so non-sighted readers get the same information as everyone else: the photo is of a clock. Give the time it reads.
1:20
